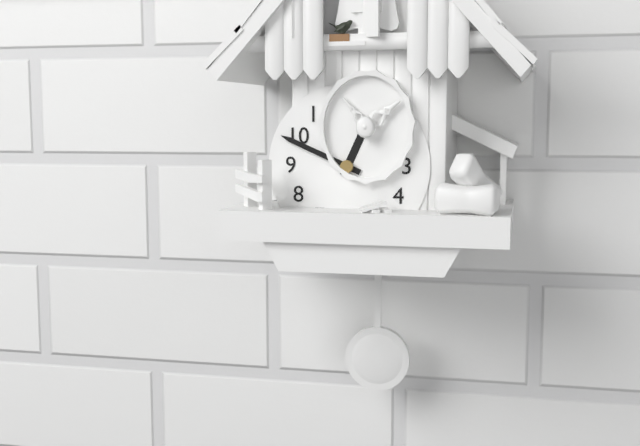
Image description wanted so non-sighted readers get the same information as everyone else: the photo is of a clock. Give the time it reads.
12:49
